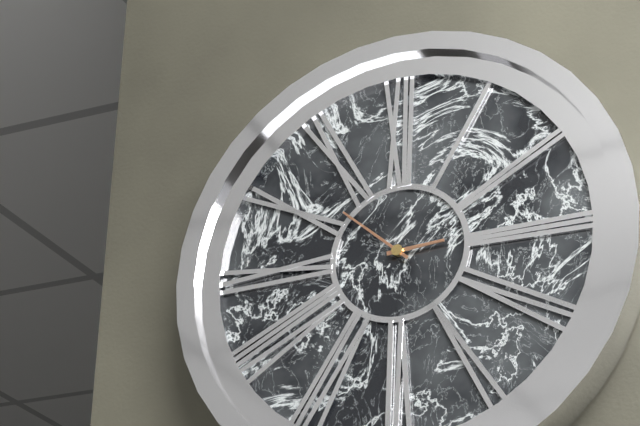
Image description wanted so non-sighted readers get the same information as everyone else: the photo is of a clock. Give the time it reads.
2:52
